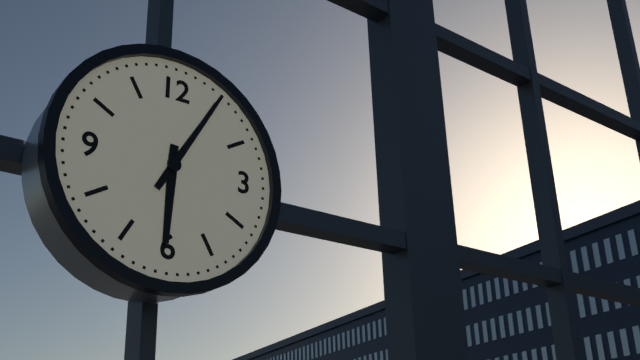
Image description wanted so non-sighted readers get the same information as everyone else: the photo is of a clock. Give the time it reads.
6:05
